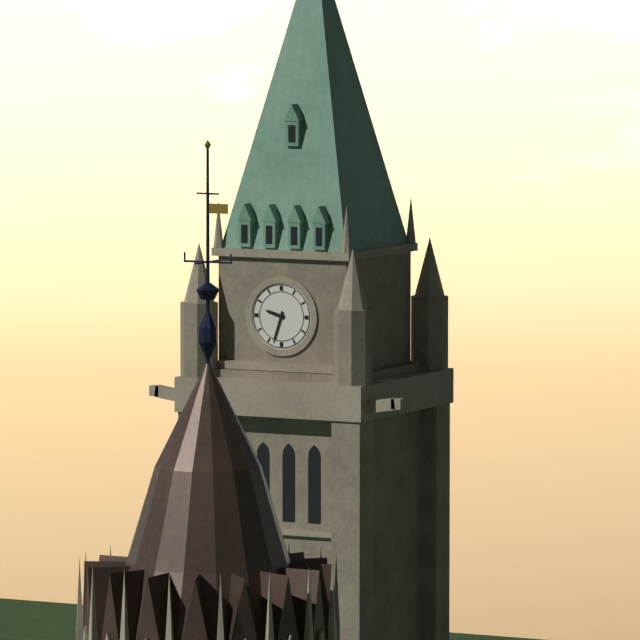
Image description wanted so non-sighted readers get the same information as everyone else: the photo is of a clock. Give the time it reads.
9:33
